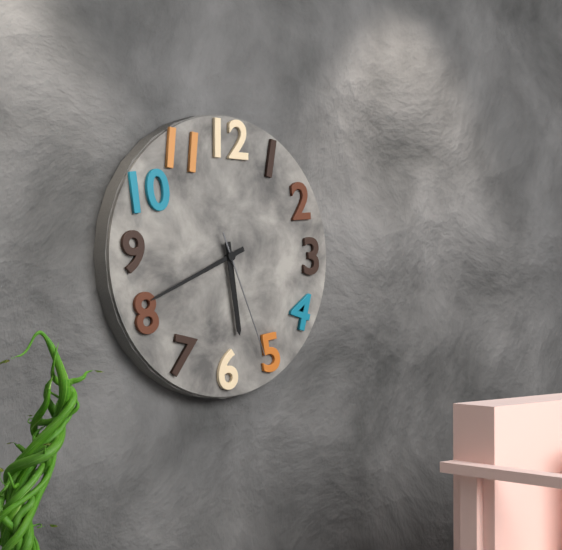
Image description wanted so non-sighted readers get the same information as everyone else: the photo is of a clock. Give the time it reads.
5:41:26
